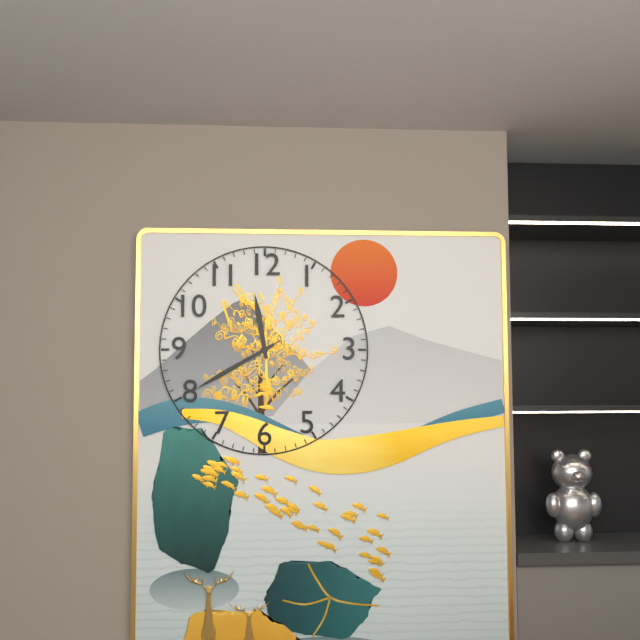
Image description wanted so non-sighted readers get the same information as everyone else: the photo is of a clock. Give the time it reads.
11:40:40
